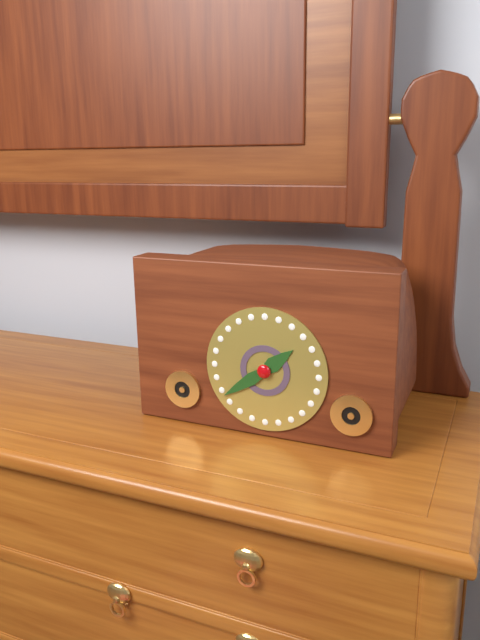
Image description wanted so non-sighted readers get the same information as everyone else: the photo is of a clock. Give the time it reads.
1:39
